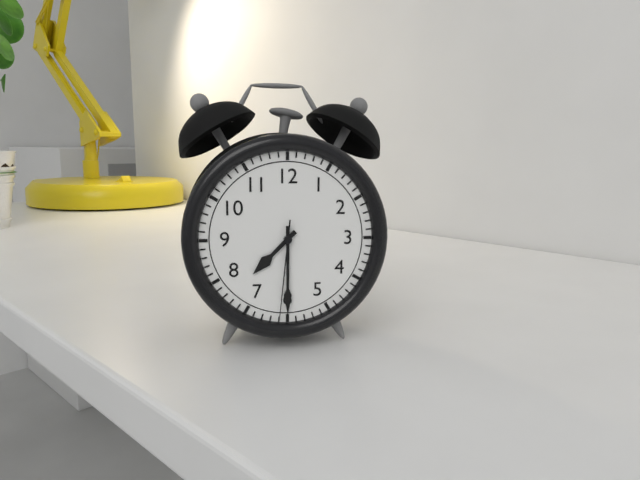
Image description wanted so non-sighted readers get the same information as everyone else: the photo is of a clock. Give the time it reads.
7:30:31
